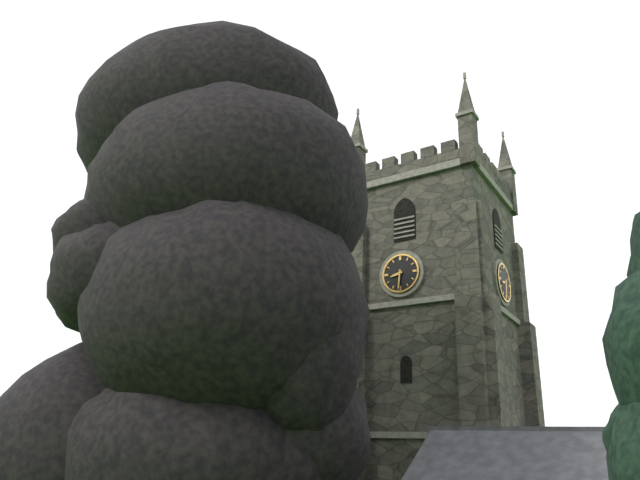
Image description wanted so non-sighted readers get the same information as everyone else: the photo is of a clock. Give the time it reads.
8:31
